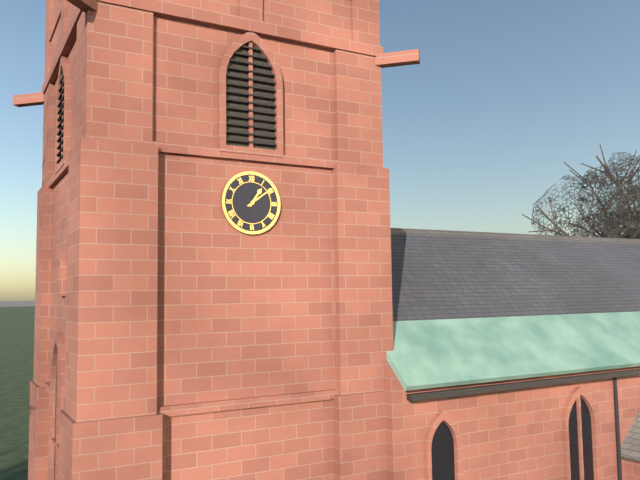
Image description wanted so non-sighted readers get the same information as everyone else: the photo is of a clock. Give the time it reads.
1:09
